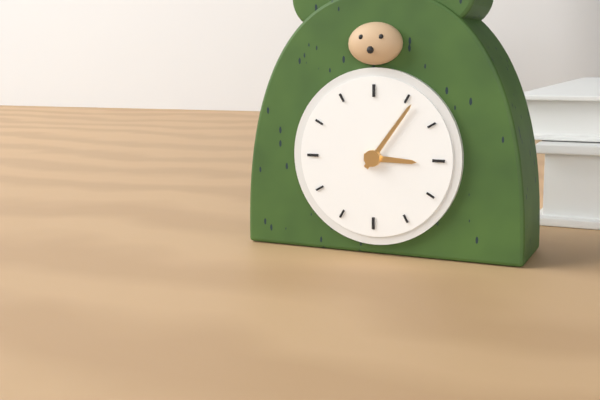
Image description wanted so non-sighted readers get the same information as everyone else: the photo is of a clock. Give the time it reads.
3:06
